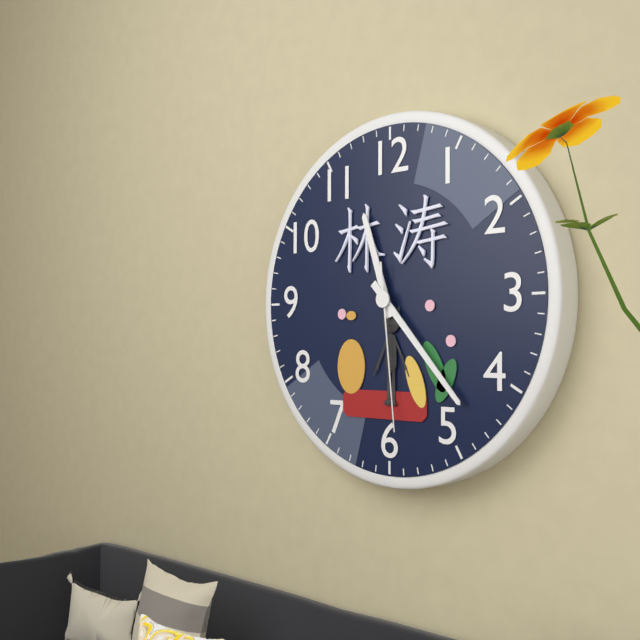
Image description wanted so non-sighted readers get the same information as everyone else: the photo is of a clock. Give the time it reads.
11:23:29
